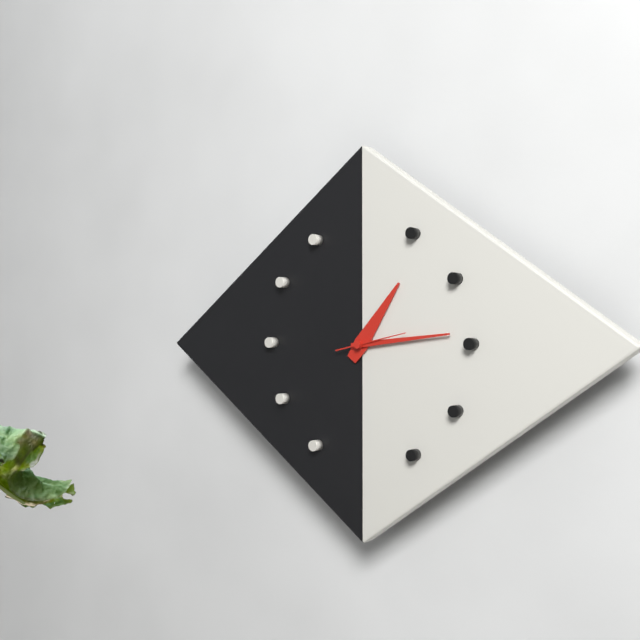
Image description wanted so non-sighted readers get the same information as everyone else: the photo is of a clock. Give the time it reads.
1:14:13
